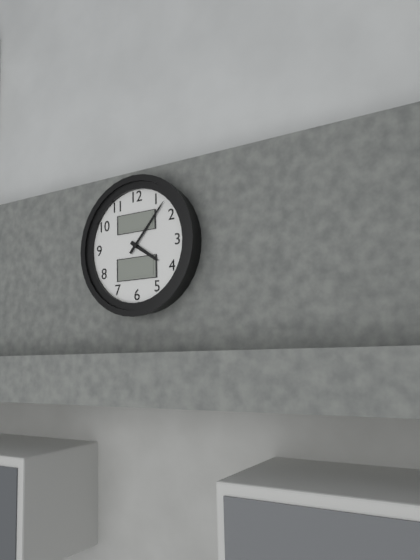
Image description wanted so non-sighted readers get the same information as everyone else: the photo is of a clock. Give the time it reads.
4:07
